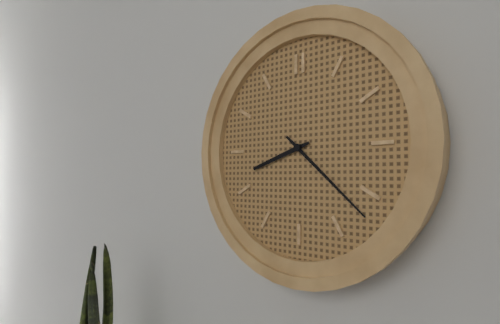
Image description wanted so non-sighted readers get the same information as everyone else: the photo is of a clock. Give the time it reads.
8:22
